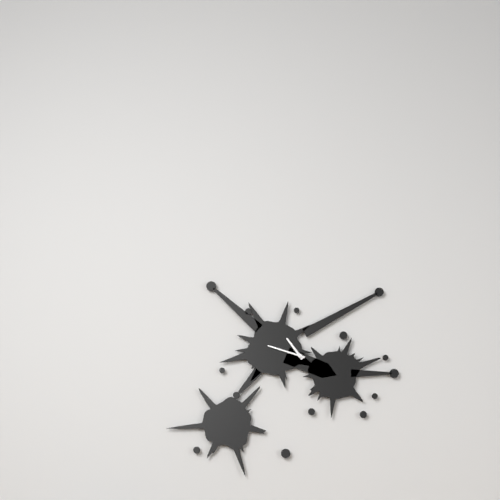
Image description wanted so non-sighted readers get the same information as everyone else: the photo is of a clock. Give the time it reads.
10:48
